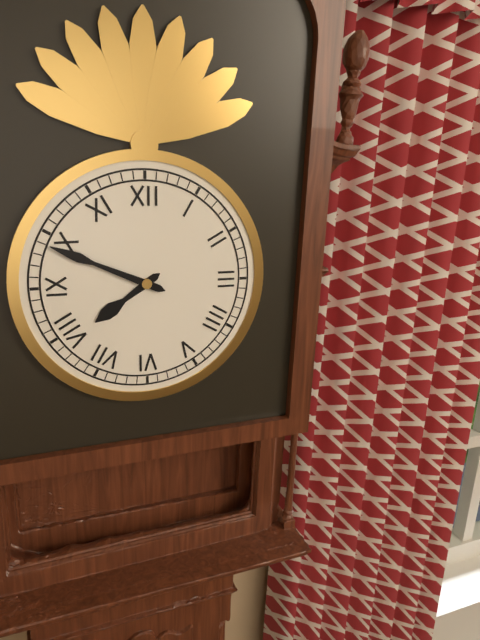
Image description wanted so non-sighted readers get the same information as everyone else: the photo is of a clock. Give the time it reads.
7:49
